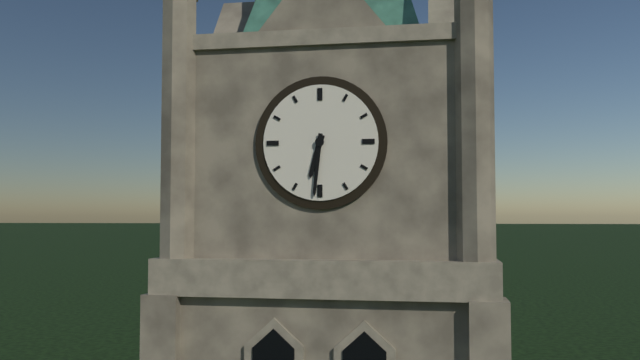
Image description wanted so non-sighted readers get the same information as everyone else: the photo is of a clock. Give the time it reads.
6:31
